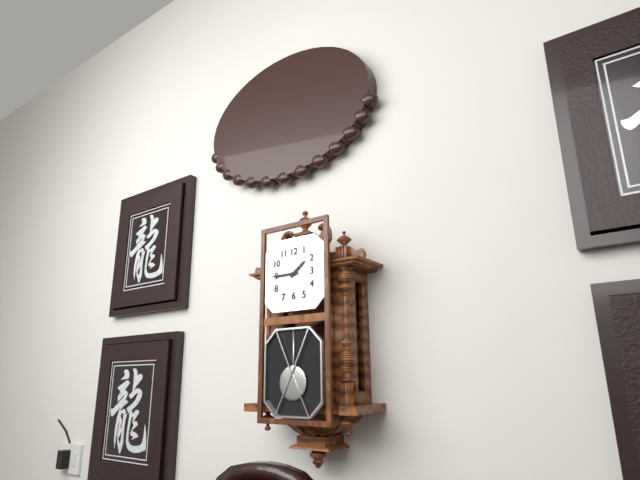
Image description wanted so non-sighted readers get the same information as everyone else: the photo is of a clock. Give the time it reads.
1:45
